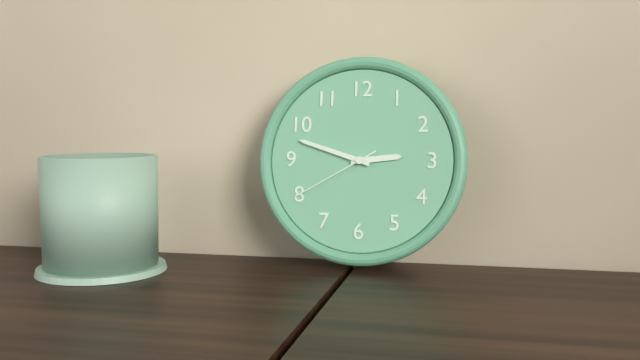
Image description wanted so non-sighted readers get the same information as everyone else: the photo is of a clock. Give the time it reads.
2:48:40
